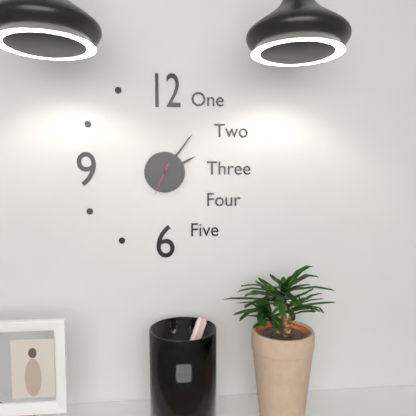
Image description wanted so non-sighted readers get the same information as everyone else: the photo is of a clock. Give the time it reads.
2:06
